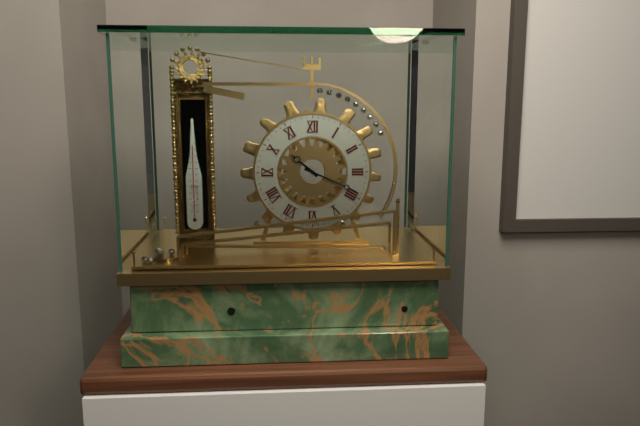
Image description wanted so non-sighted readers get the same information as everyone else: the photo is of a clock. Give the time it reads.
10:19
